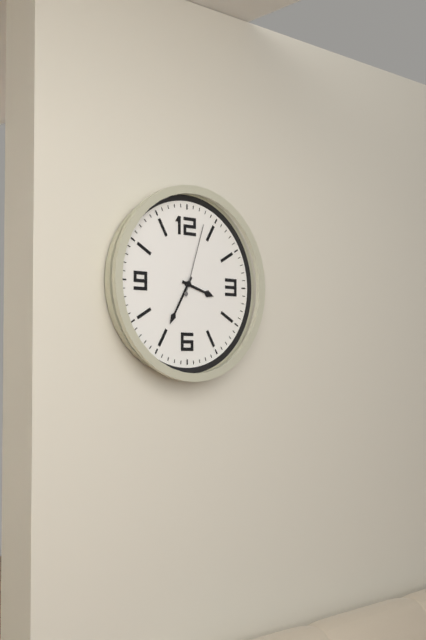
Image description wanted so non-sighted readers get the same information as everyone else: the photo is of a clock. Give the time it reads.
3:35:03
